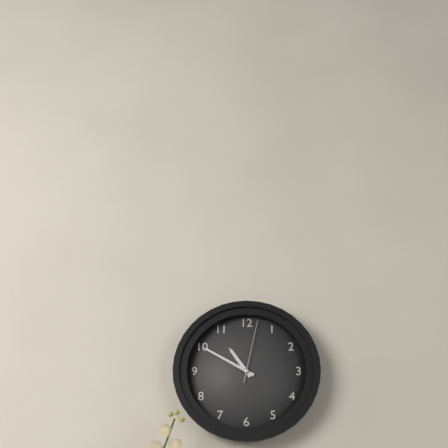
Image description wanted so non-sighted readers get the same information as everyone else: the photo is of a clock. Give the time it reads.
10:50:02
